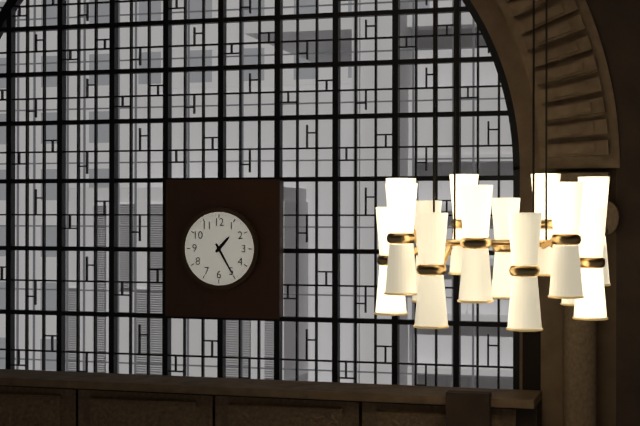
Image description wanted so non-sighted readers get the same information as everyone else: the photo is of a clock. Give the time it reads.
1:25
